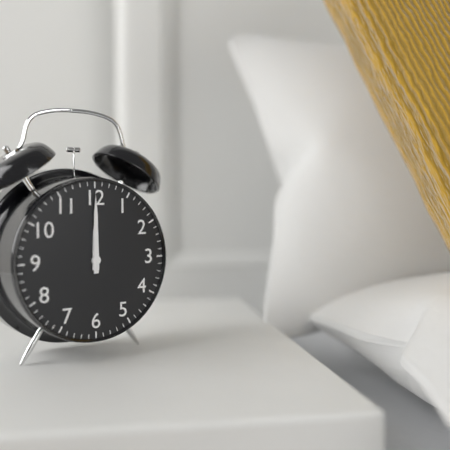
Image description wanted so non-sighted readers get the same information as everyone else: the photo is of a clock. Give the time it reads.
12:00
